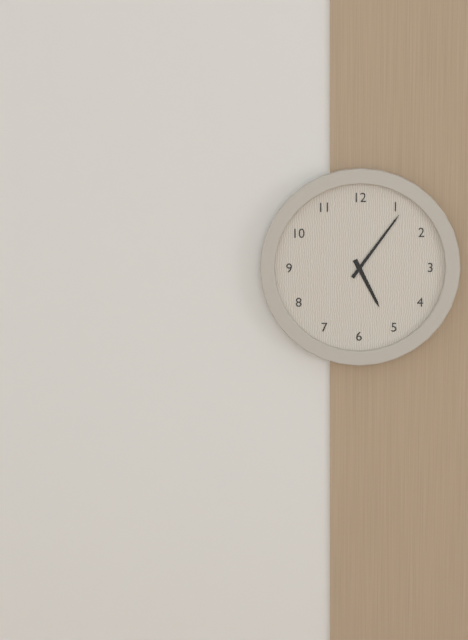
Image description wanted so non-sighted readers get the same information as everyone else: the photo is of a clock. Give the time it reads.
5:06
